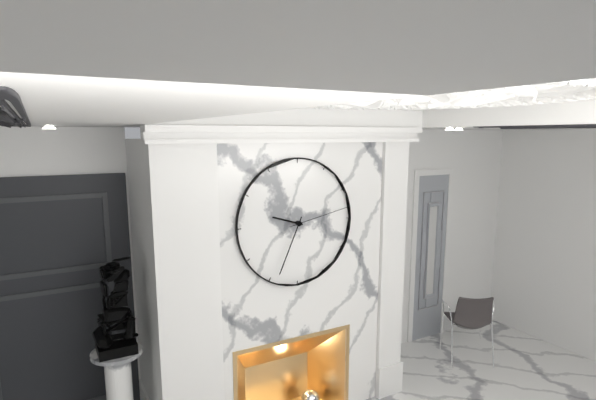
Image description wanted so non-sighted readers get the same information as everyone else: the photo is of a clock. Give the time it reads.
9:34:13
